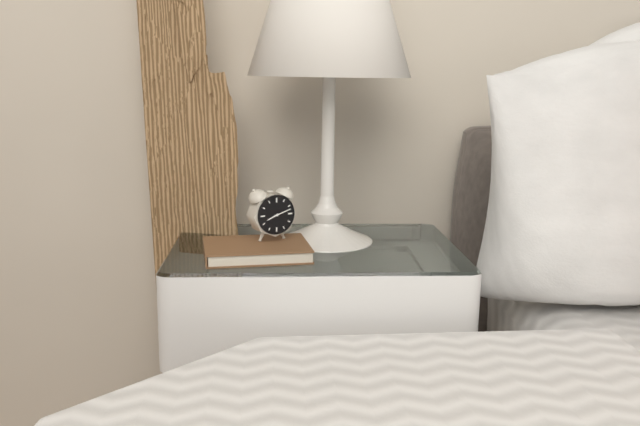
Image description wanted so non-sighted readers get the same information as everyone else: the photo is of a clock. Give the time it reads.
8:12
